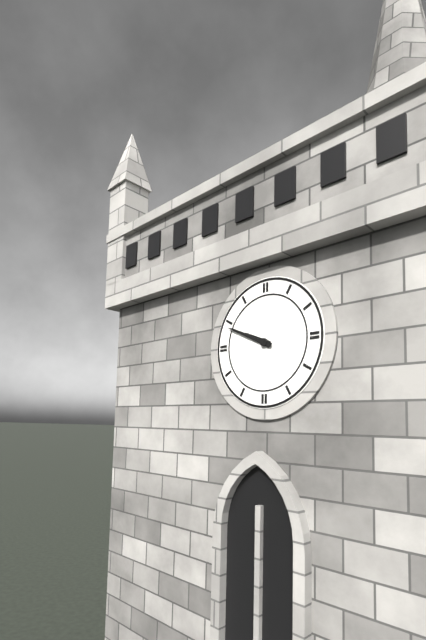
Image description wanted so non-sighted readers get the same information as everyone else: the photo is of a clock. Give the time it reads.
9:49
